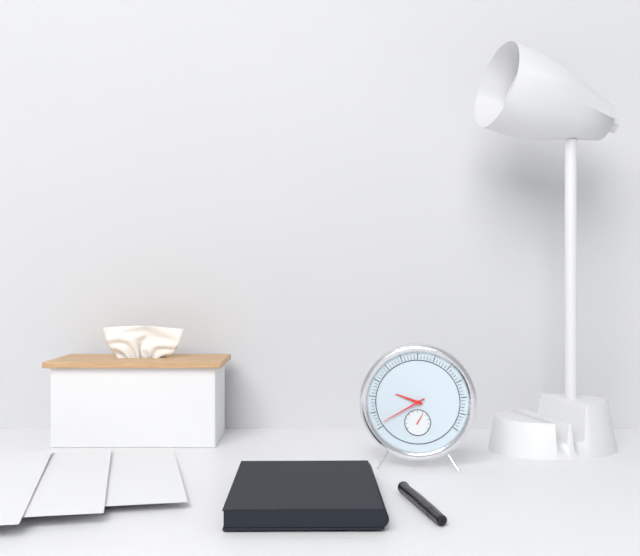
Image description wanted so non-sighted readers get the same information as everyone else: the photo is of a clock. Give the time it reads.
9:40
